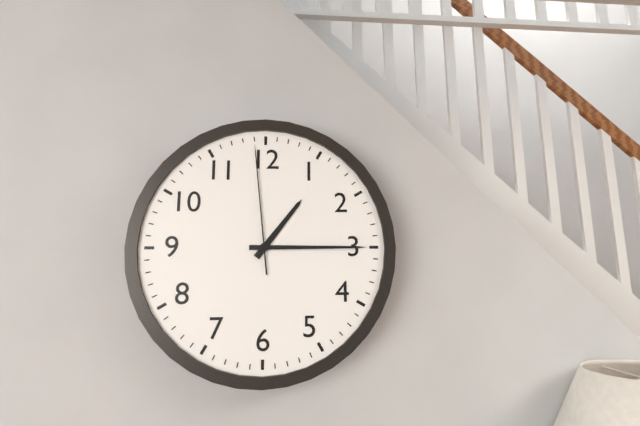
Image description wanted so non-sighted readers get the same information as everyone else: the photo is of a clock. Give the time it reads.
1:15:59
